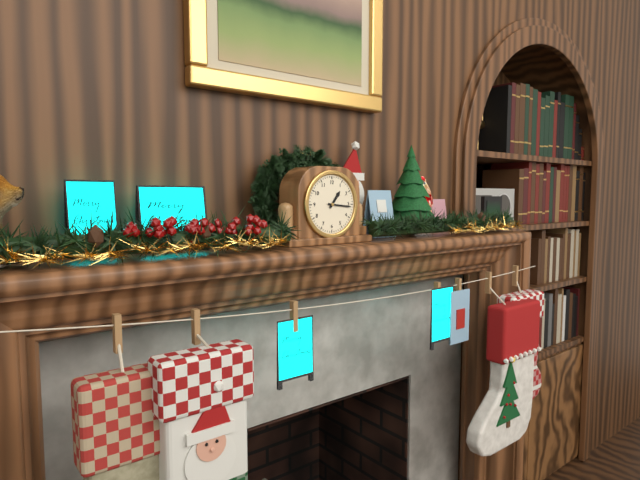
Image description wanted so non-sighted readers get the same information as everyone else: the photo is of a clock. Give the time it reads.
1:16
